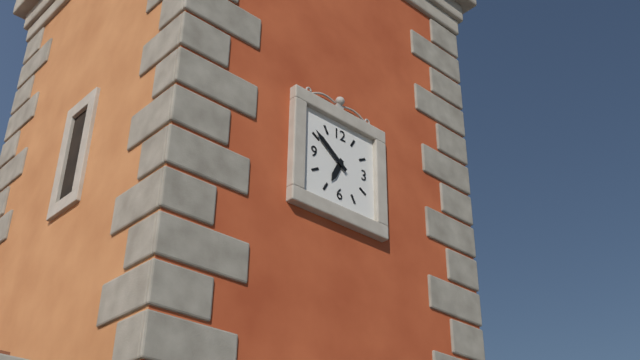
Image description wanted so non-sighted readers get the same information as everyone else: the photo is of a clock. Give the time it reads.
6:51
